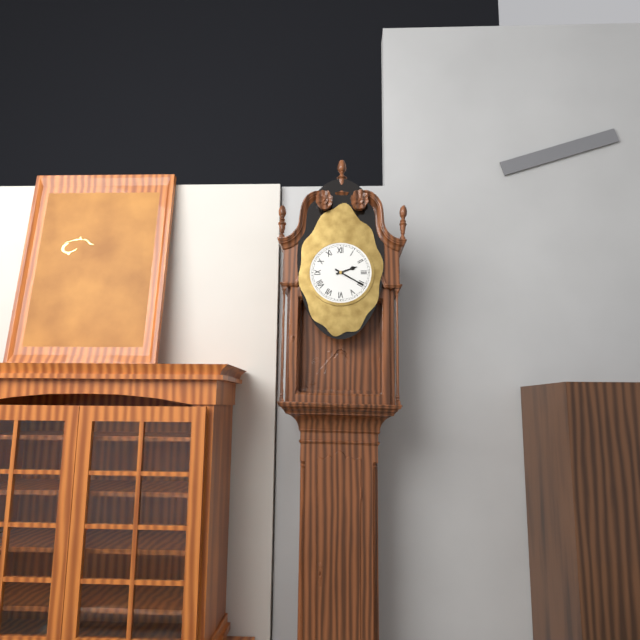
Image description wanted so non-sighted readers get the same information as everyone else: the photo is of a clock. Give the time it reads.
2:20
